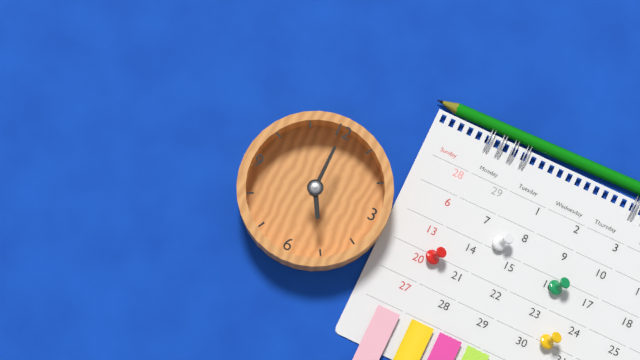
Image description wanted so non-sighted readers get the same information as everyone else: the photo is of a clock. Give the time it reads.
5:00
